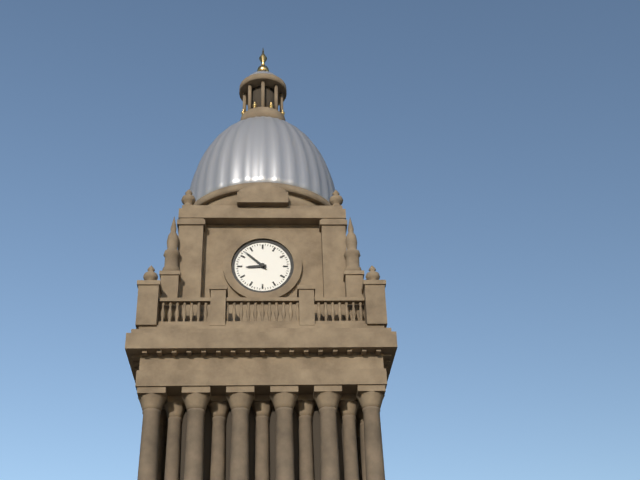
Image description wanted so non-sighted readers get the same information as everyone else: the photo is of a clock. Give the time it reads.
8:52
